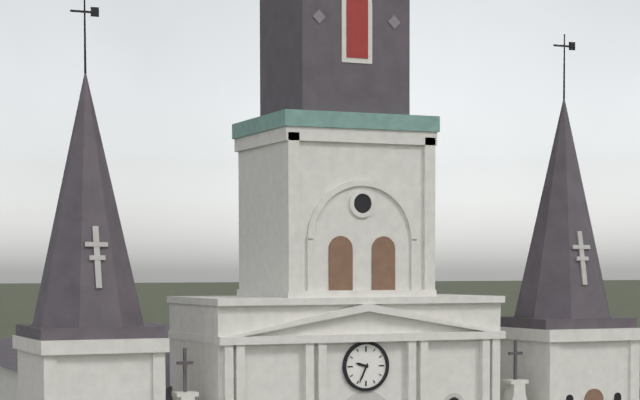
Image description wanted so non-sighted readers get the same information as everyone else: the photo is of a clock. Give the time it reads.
9:34
